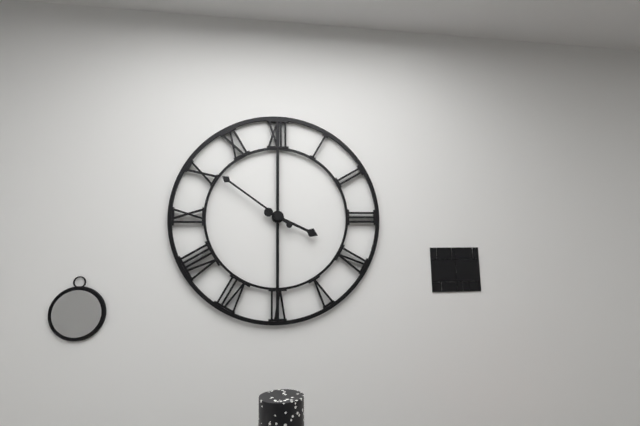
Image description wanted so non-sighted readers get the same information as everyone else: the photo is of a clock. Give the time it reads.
3:51
